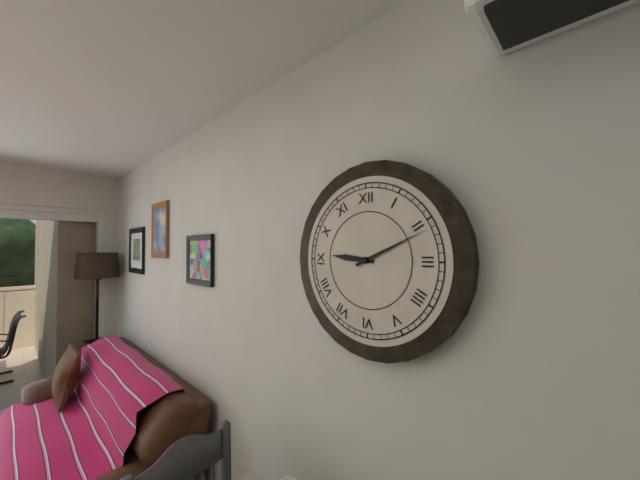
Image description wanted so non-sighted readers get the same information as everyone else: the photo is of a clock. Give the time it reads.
9:11
